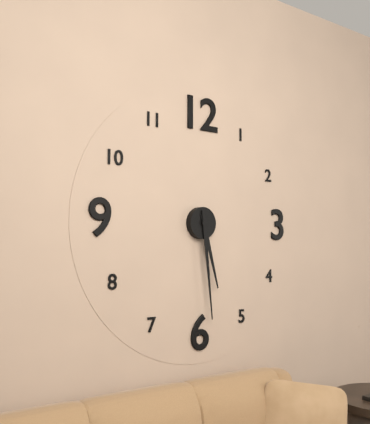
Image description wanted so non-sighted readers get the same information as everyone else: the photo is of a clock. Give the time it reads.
5:29
